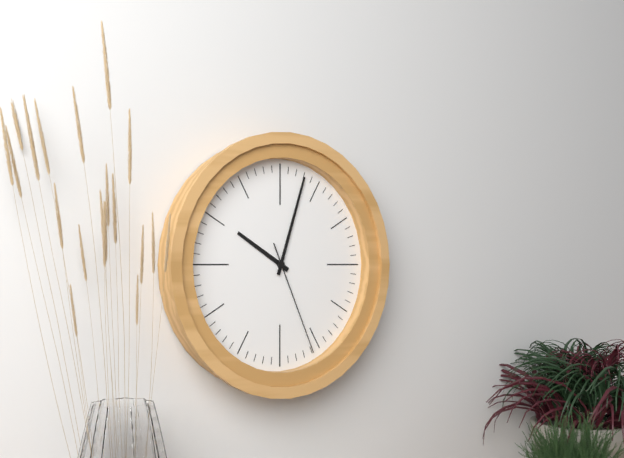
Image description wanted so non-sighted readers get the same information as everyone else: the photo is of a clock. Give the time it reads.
10:03:26
